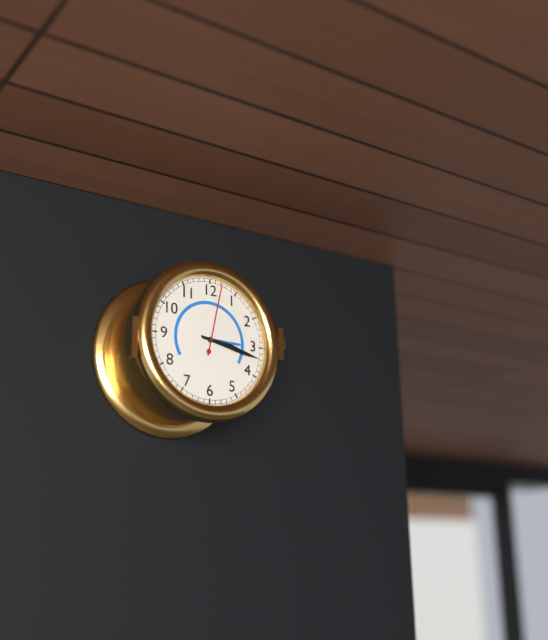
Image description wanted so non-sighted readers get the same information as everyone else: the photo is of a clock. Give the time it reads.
3:17:02
